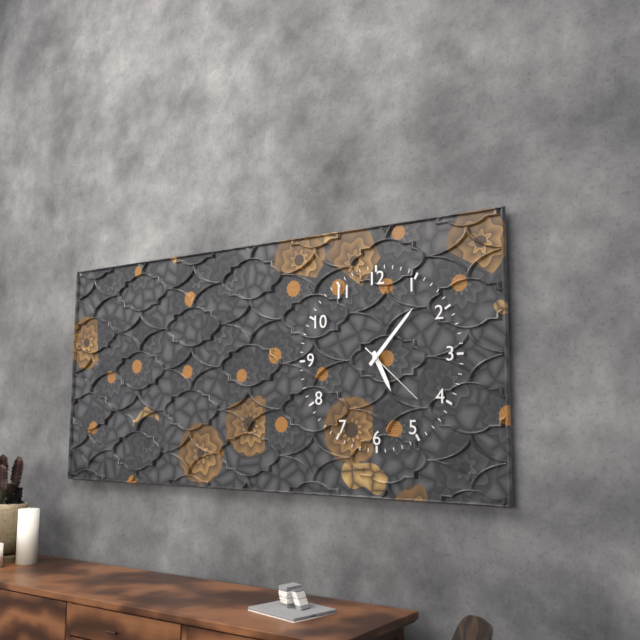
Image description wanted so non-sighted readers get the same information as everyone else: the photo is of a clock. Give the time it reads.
5:07:22
